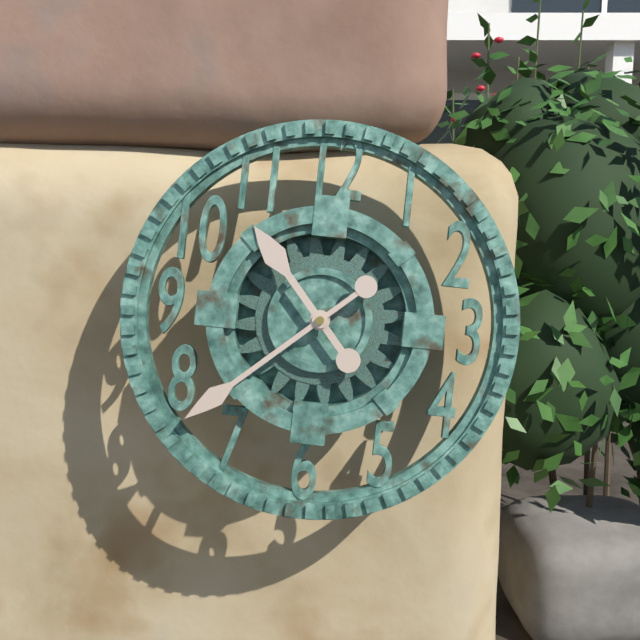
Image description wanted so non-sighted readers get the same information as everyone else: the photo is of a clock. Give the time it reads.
10:38
